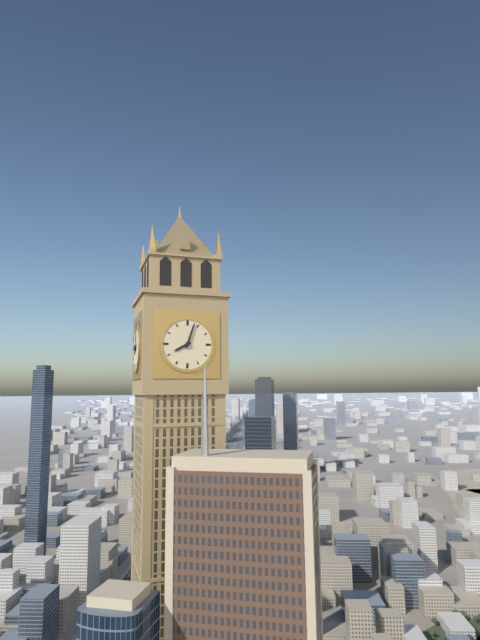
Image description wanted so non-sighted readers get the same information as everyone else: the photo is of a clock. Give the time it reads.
8:03
